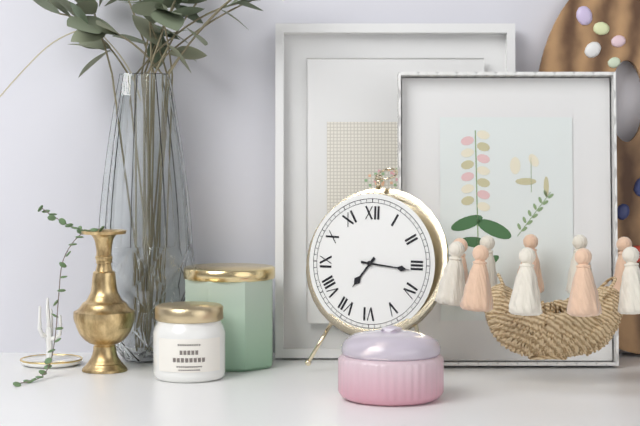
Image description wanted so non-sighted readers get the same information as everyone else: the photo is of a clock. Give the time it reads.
7:16
